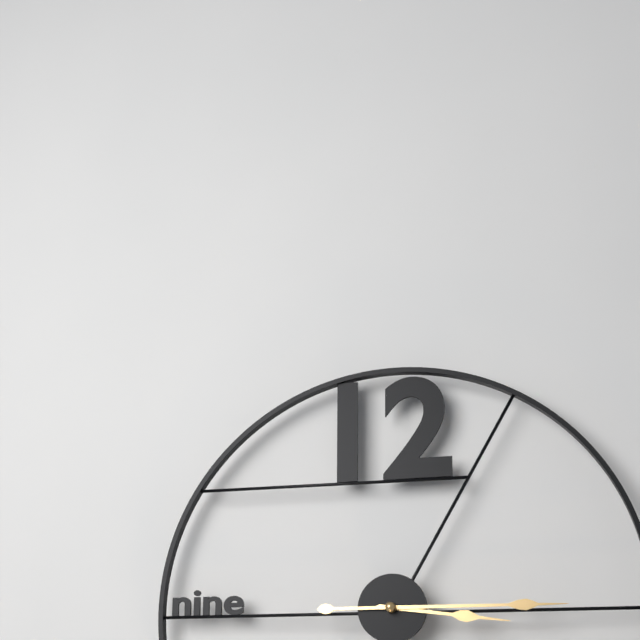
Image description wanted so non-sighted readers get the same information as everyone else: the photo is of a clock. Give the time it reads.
3:15
